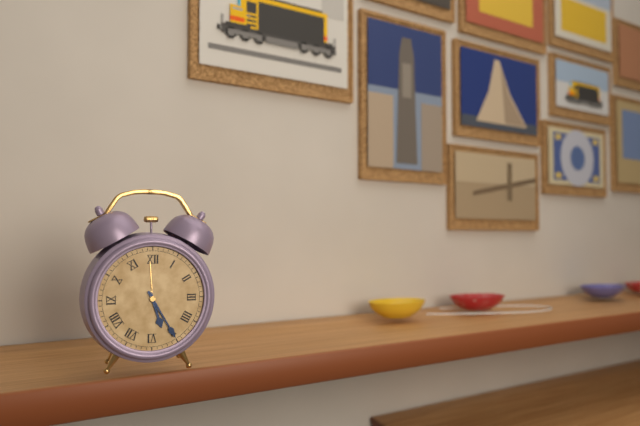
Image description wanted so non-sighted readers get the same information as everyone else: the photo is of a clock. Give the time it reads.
5:25
